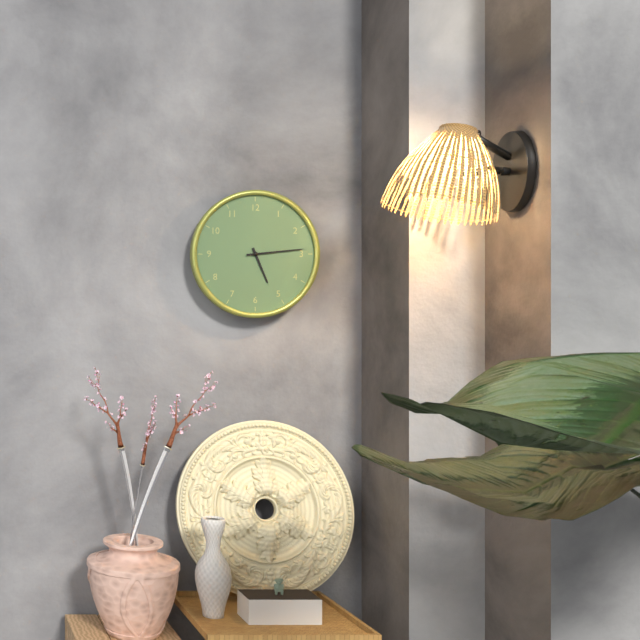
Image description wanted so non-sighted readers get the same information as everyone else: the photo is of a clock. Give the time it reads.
5:14
